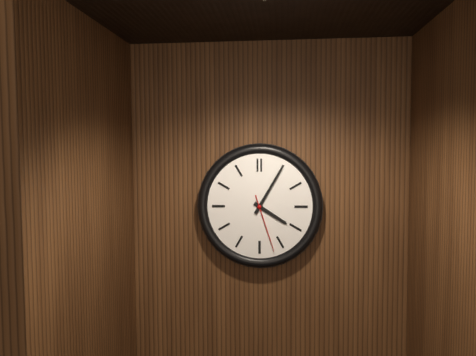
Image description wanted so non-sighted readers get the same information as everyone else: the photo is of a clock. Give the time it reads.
4:05:27
